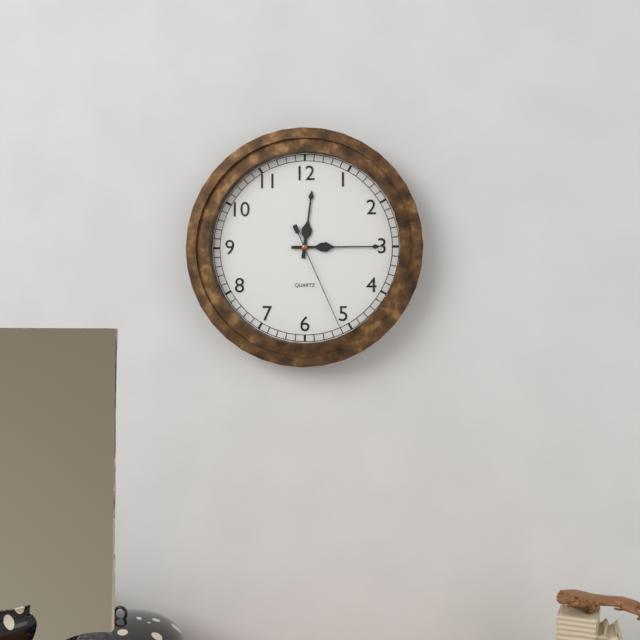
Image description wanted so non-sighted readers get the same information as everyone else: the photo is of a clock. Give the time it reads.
12:15:26
